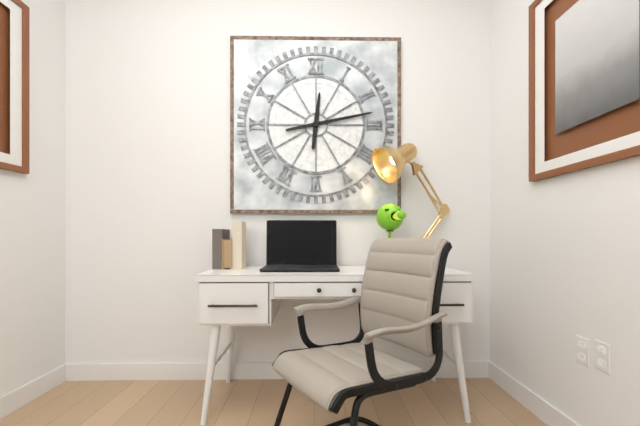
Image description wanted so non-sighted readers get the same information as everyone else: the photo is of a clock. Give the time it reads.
12:13
